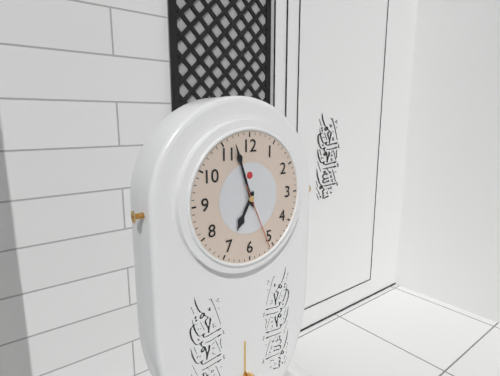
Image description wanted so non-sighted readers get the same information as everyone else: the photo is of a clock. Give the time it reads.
6:57:26
